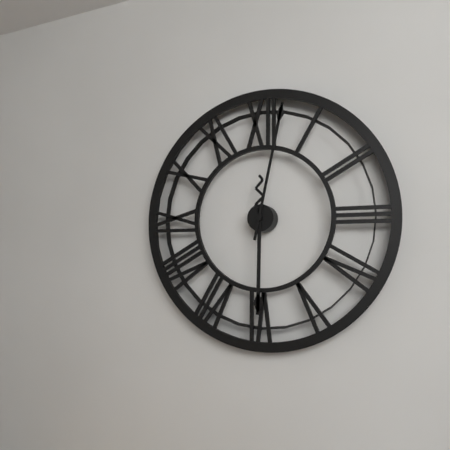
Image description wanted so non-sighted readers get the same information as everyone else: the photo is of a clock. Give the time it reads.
6:02
